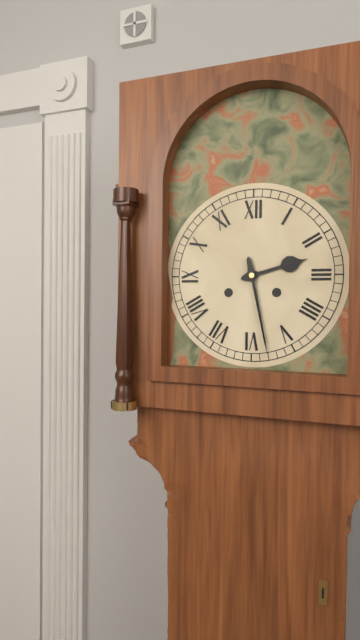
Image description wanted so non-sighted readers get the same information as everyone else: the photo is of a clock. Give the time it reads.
2:28
